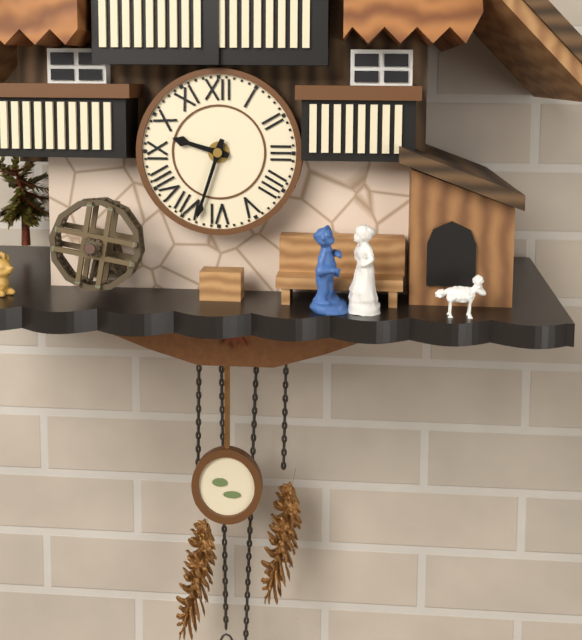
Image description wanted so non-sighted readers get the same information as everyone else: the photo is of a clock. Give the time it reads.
9:33
